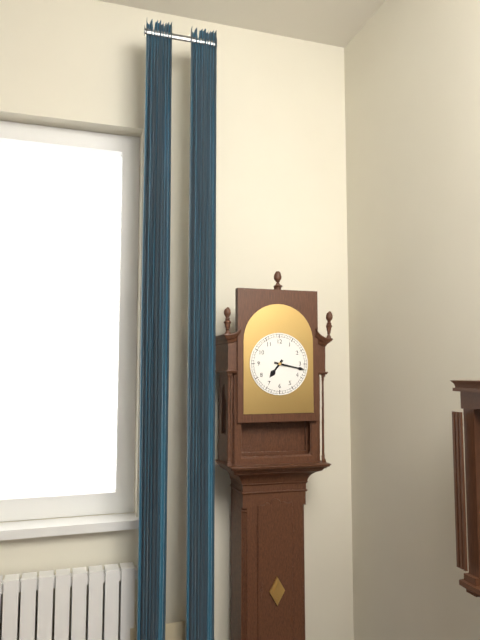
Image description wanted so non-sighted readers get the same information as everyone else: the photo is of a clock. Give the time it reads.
7:17
